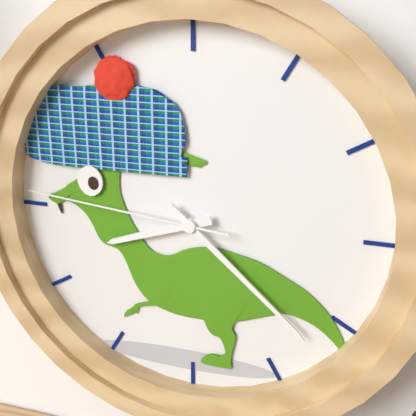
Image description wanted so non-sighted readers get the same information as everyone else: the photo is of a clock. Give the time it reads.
8:22:46
